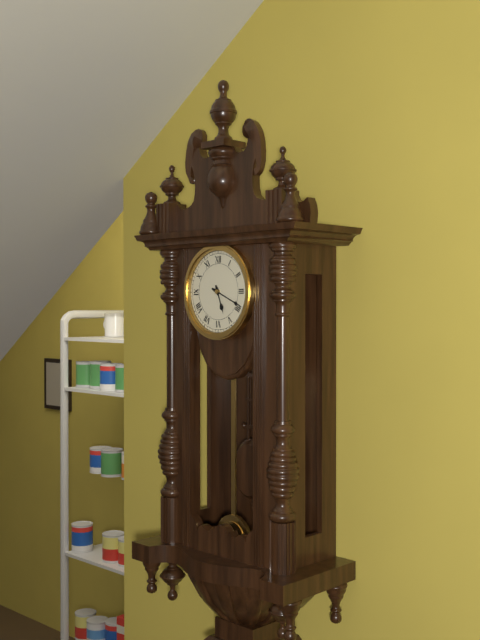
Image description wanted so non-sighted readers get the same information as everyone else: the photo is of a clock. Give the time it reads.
5:19
